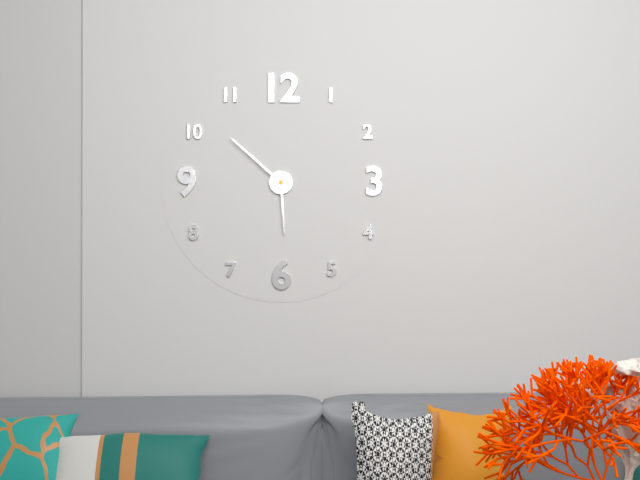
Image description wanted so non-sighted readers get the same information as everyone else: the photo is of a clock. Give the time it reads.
5:52
